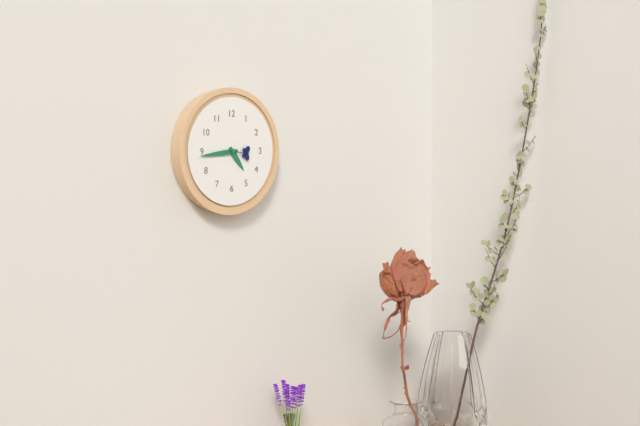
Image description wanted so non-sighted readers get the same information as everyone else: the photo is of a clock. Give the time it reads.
4:44
